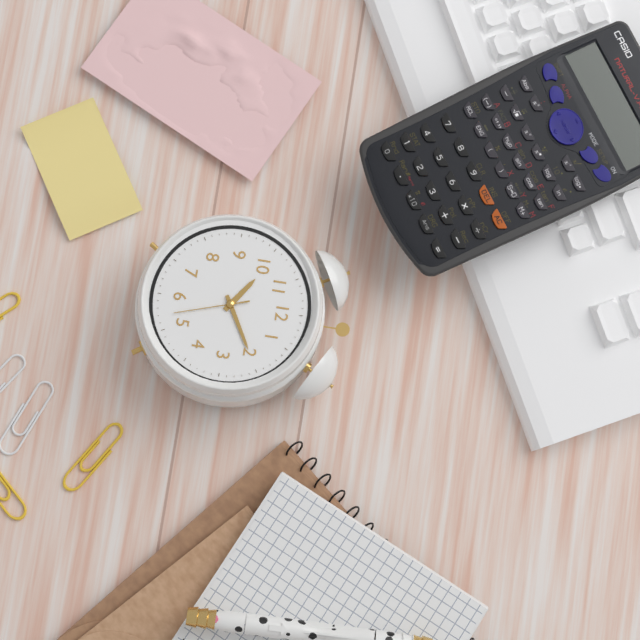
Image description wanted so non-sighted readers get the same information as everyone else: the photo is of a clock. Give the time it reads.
10:10:27
